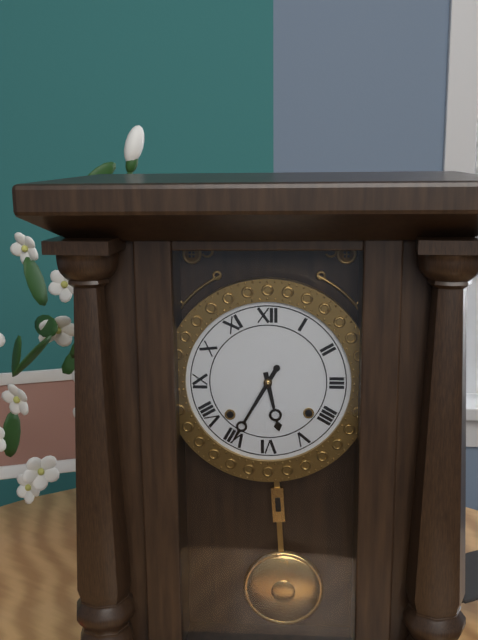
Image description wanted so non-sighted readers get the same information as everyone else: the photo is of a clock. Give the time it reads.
5:35
